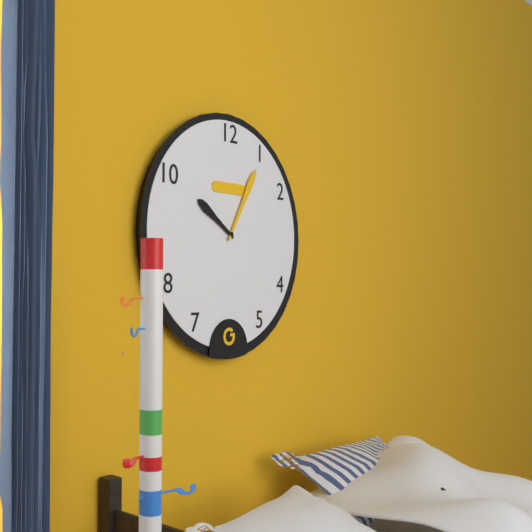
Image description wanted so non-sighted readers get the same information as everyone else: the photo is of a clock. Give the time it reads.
10:05
